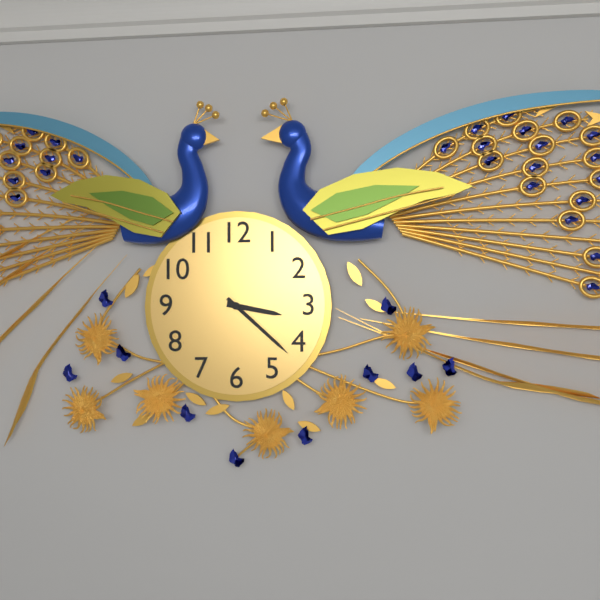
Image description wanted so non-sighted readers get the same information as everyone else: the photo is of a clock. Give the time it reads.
3:22
